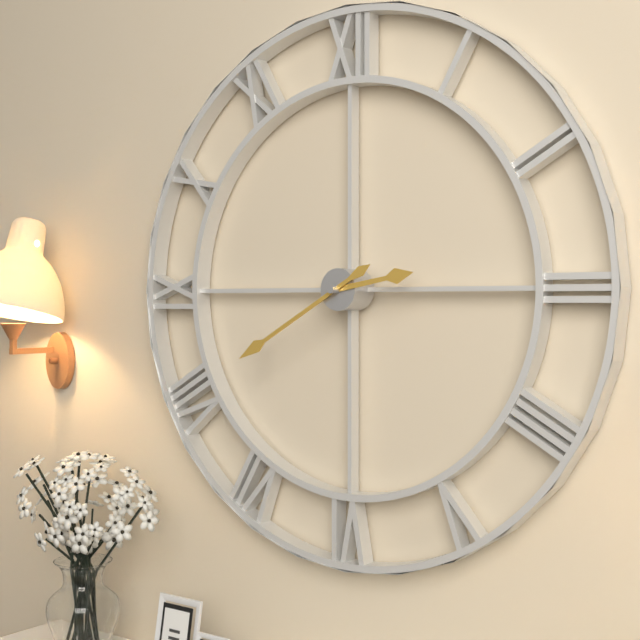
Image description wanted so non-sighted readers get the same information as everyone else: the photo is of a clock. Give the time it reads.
2:40
